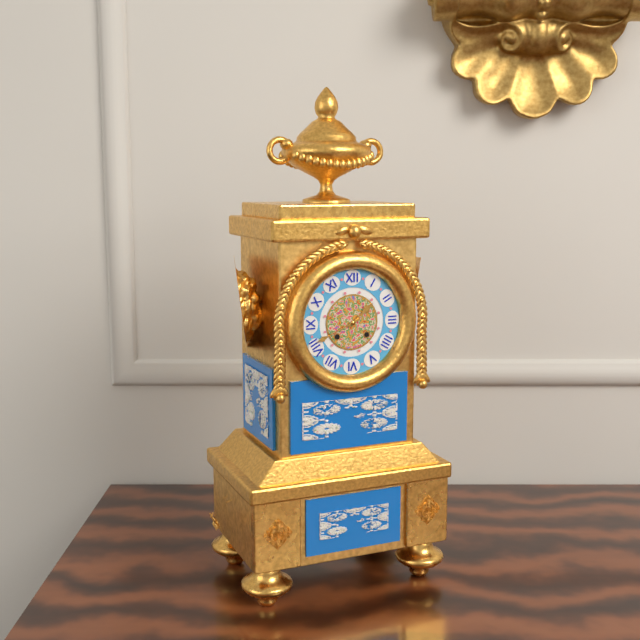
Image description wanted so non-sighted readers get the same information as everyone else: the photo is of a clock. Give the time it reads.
1:41
